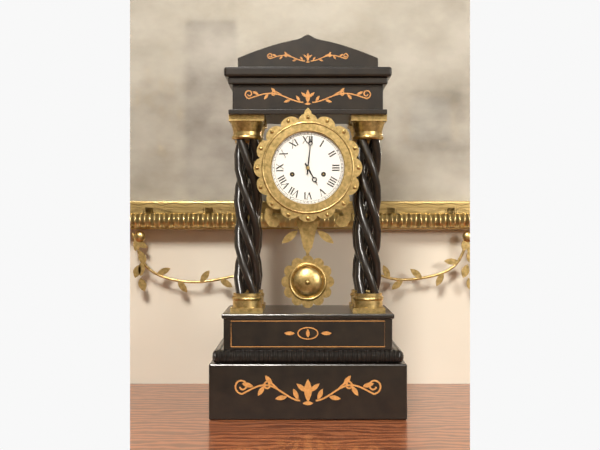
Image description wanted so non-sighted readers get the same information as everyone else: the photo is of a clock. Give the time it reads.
5:01
